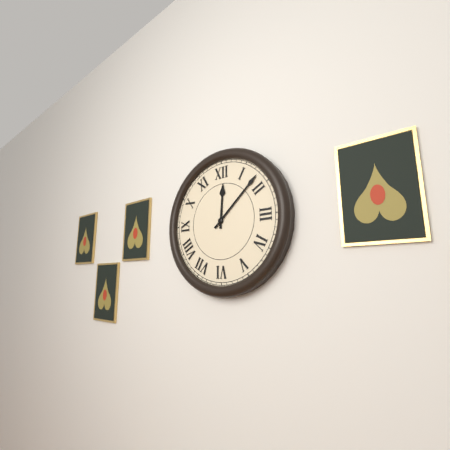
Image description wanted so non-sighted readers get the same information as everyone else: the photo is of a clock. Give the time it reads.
12:08
